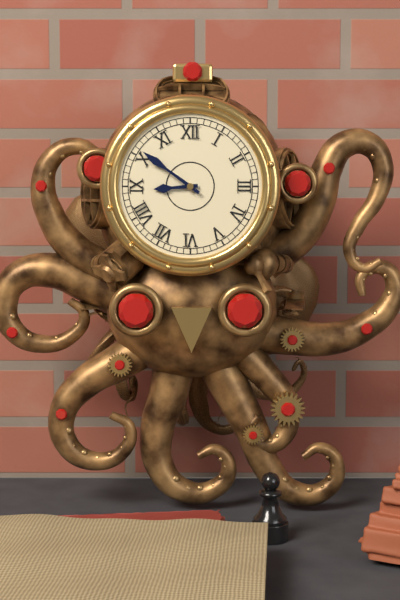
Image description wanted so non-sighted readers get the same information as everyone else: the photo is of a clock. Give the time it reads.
8:51
